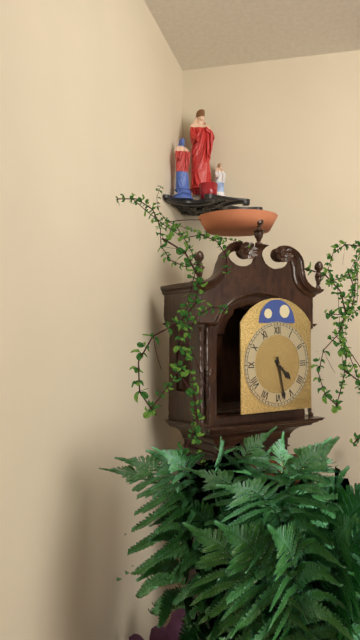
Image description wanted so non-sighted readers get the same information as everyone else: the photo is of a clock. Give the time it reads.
4:28
